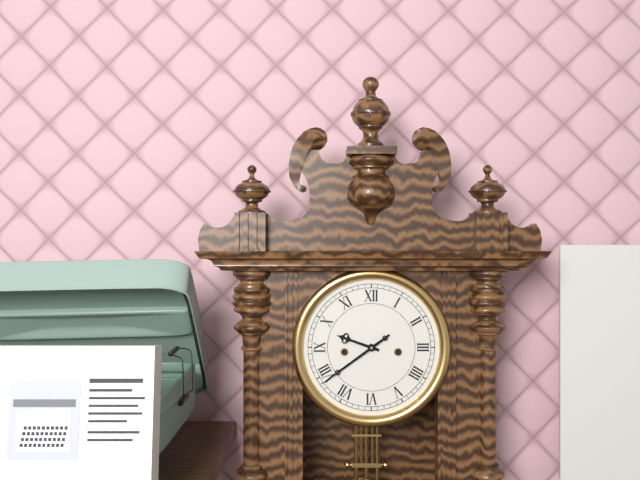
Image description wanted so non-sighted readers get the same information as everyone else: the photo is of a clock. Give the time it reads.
9:39
